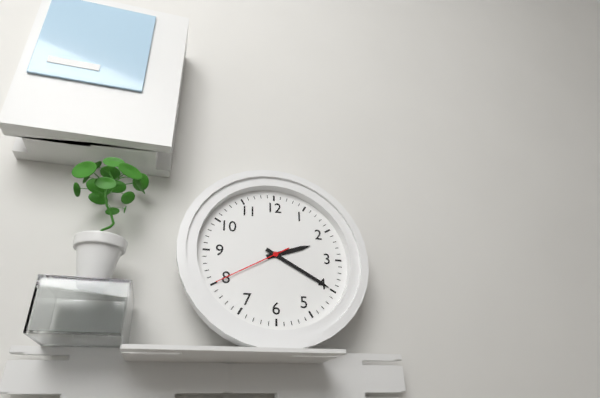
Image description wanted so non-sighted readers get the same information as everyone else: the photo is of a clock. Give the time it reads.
2:20:40
